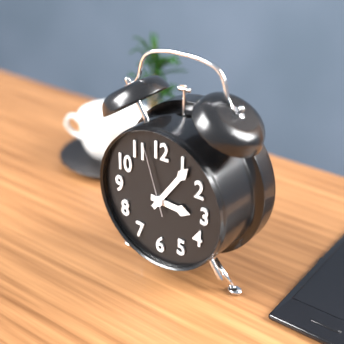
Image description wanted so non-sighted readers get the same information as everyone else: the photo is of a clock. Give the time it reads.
3:06:57
